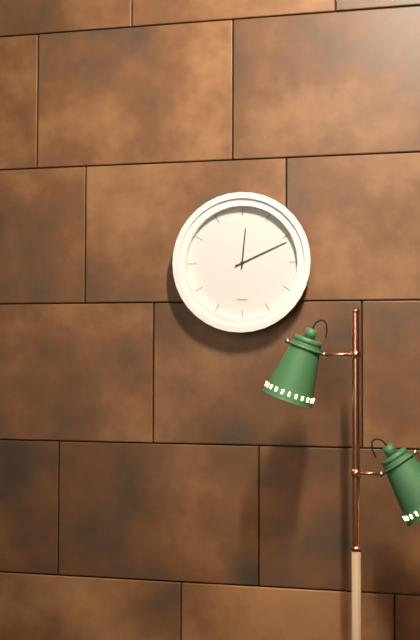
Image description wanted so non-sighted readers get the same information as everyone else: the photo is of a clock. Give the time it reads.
12:11
